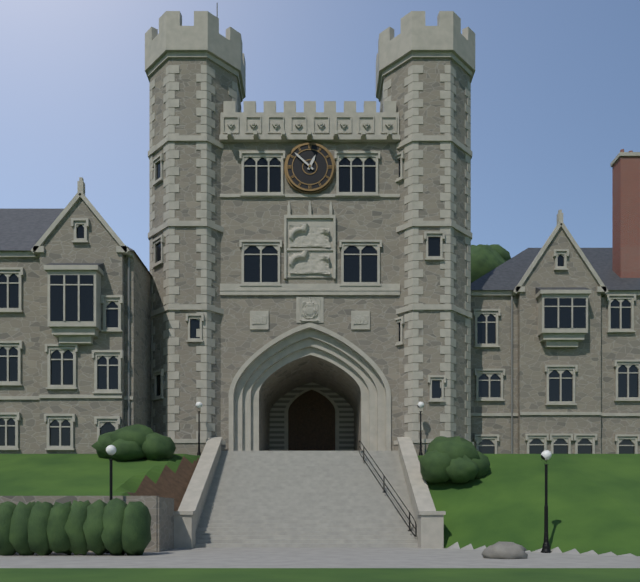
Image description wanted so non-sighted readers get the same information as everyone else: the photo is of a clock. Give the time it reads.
12:52
